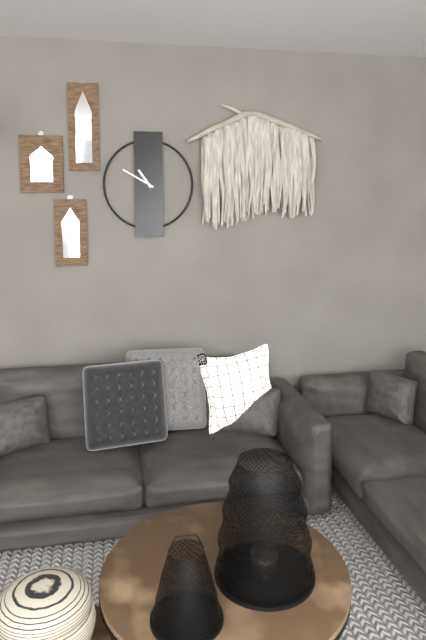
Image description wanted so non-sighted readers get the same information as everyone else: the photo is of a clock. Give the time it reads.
10:50
